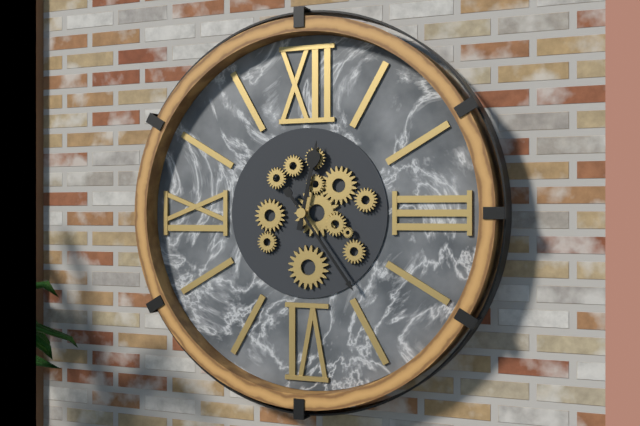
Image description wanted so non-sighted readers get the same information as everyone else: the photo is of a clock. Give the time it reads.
12:24
